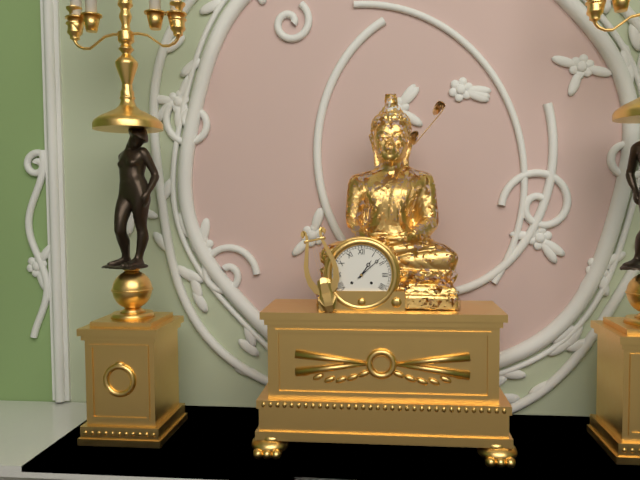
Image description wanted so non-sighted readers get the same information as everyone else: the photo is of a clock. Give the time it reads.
1:08
